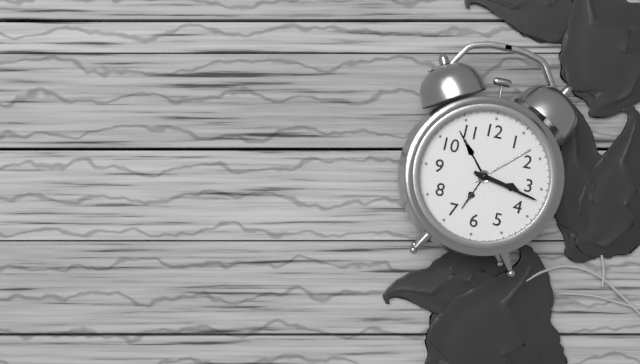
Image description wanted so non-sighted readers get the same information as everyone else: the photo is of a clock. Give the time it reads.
3:17
